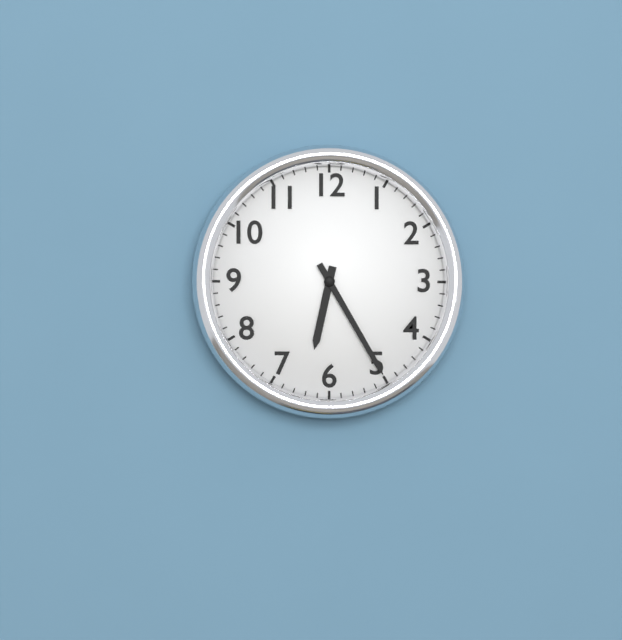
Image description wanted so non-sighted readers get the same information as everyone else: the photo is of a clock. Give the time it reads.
6:25
